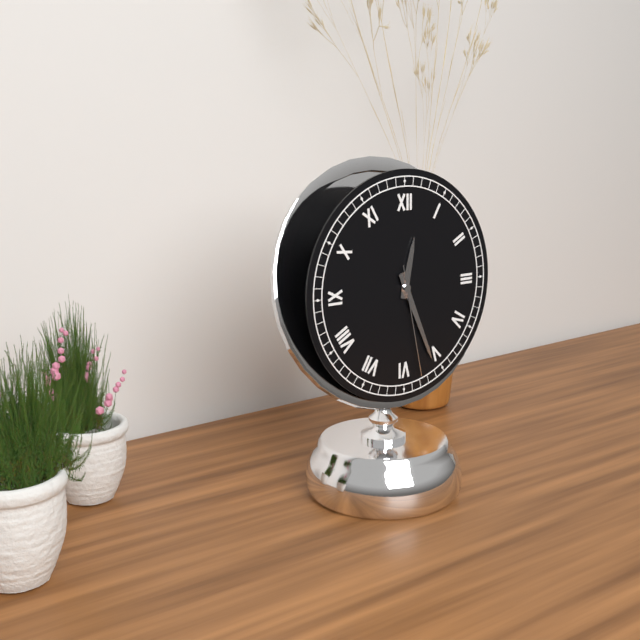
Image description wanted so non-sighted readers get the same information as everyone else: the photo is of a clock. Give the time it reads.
12:26:28
